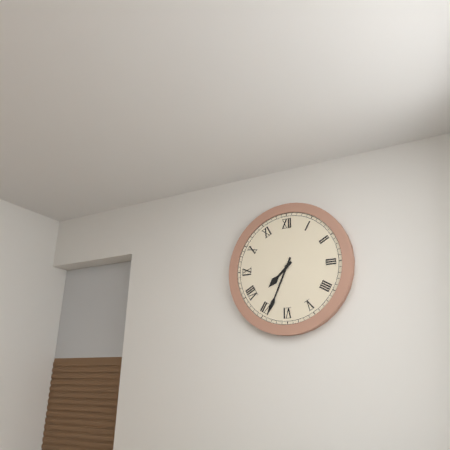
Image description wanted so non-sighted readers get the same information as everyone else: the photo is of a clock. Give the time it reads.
7:34
